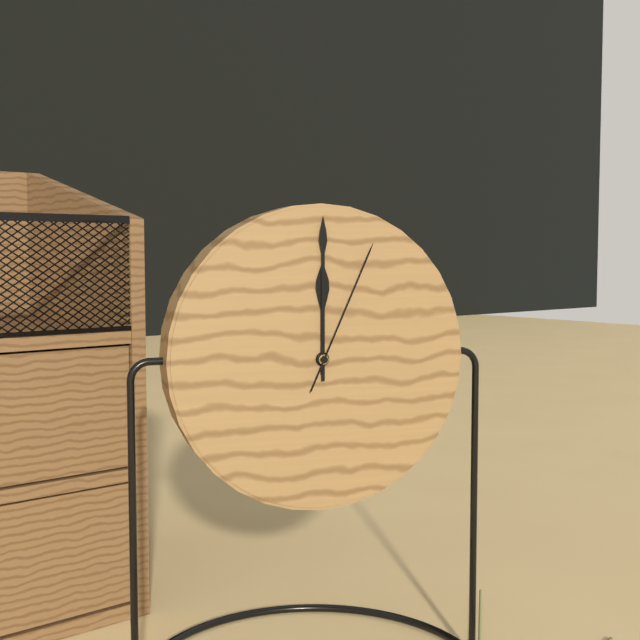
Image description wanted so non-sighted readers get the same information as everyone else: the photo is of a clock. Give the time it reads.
12:00:04
